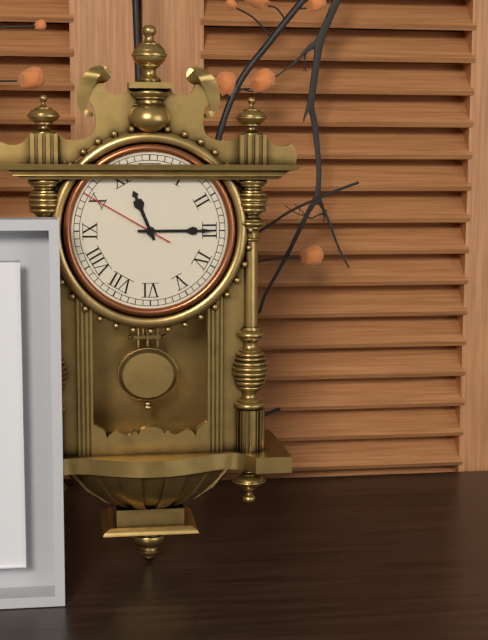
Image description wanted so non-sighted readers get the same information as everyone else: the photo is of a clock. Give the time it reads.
11:15:50
